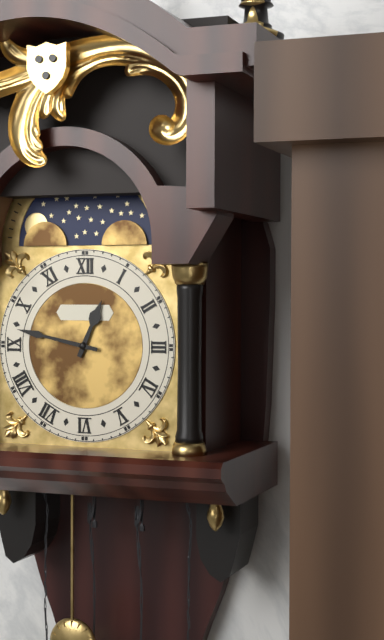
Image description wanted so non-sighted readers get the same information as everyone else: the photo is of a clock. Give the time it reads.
12:47
